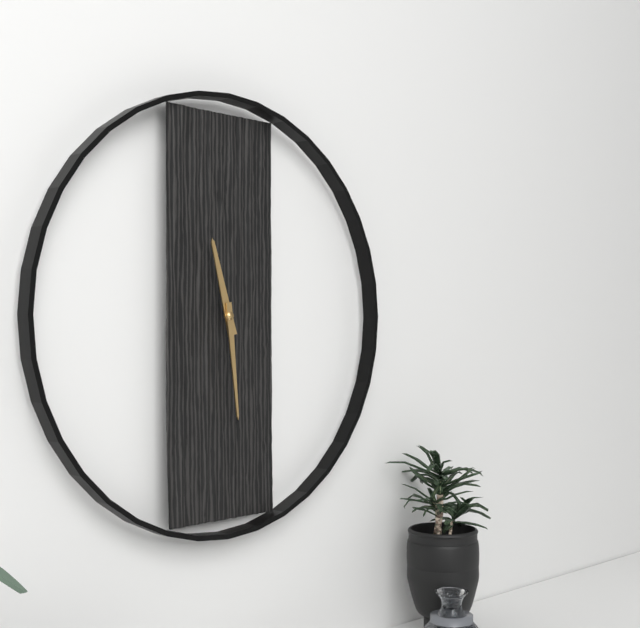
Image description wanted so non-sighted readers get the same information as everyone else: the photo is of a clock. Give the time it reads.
11:29
